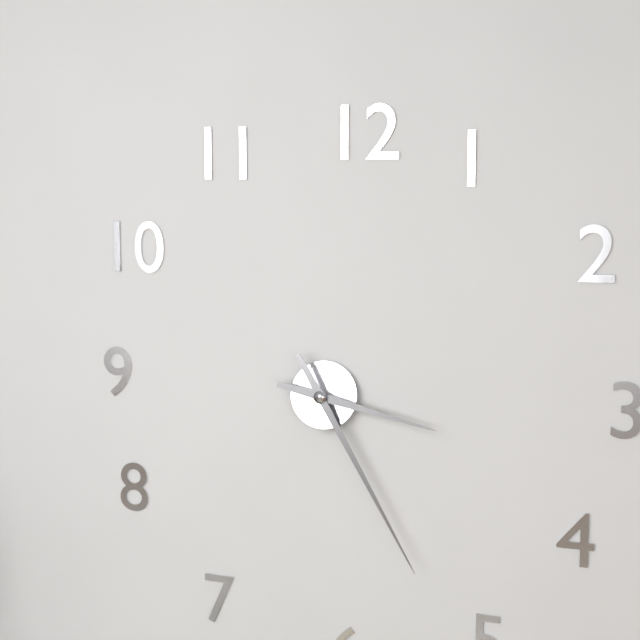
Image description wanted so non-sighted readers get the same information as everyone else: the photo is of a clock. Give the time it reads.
3:25
